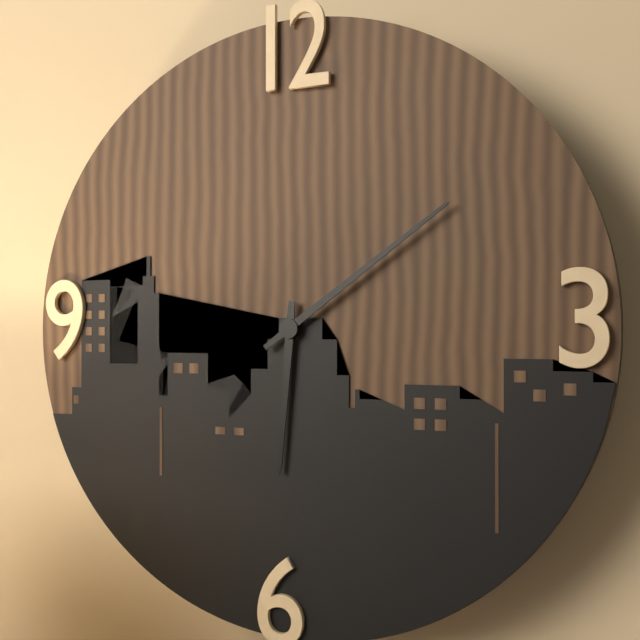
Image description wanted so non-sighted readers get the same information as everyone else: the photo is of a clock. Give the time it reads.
6:09
